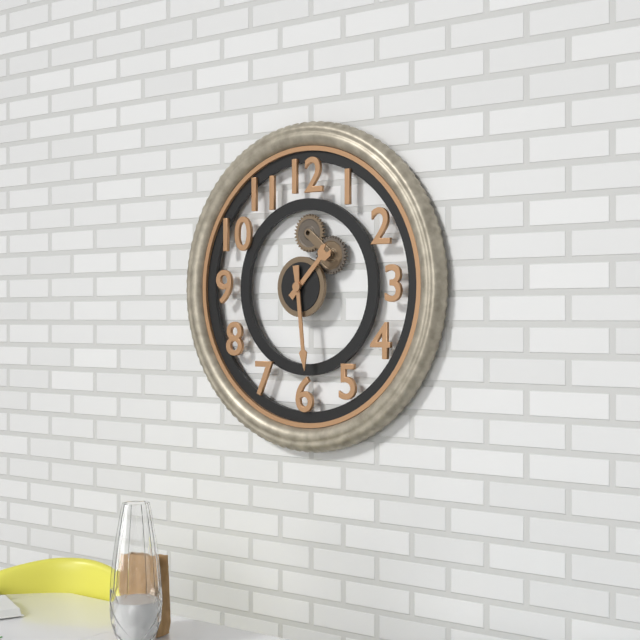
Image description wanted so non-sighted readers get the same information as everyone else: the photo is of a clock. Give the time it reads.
1:29
